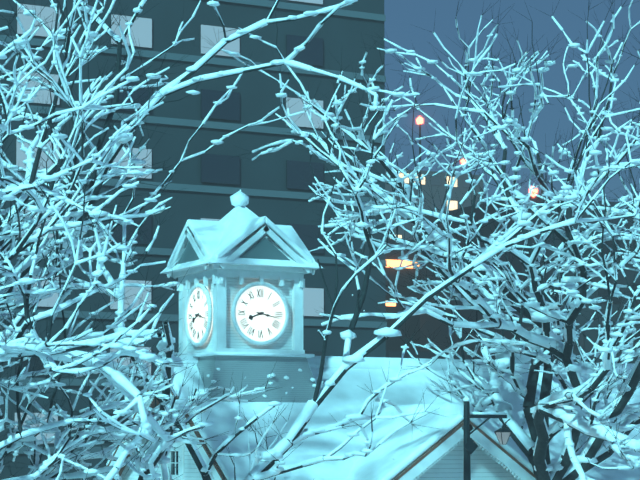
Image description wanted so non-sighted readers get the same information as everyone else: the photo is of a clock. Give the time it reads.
8:17
